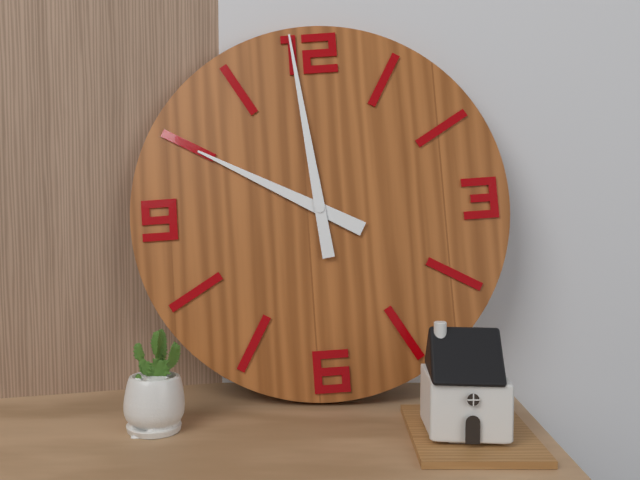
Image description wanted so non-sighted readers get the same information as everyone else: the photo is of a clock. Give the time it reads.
9:59
